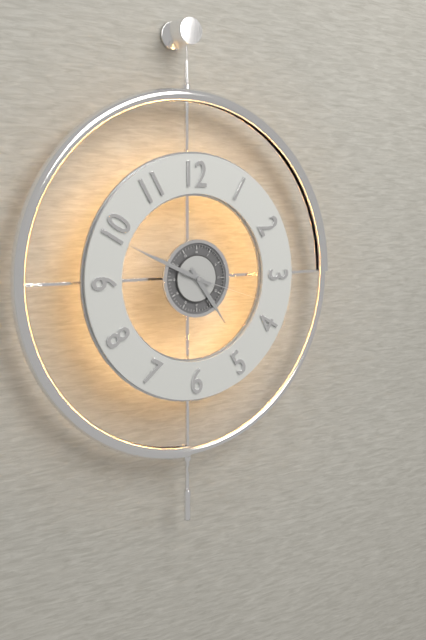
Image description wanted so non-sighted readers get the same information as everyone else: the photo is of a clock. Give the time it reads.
4:49:18
